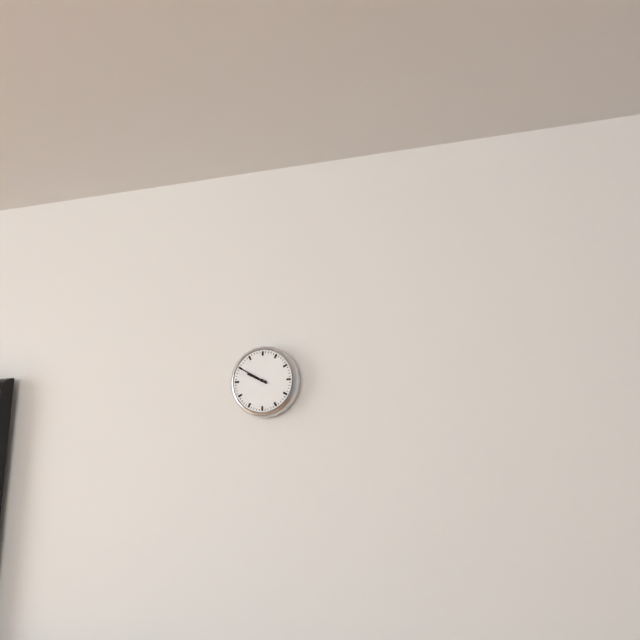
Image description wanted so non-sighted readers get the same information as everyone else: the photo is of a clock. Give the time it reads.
9:50
